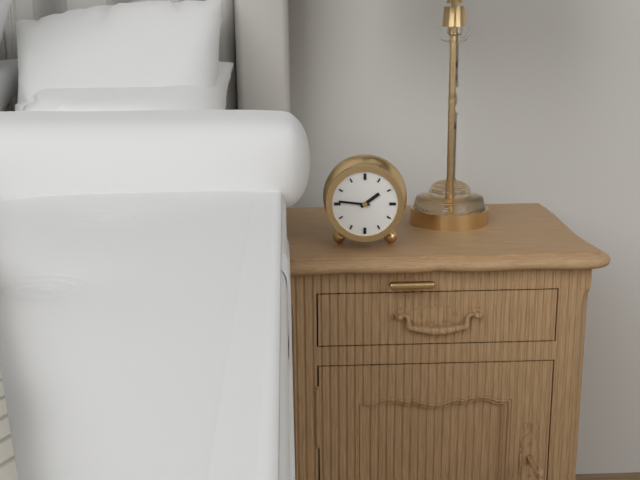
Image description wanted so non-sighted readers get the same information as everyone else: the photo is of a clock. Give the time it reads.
1:46
